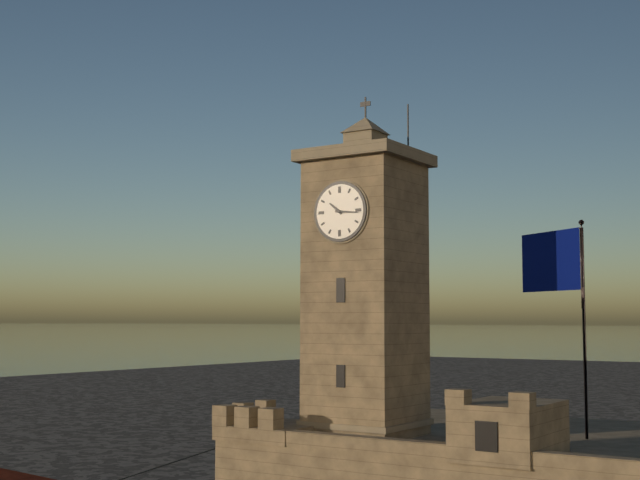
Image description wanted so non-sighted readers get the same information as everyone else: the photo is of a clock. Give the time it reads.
10:16
